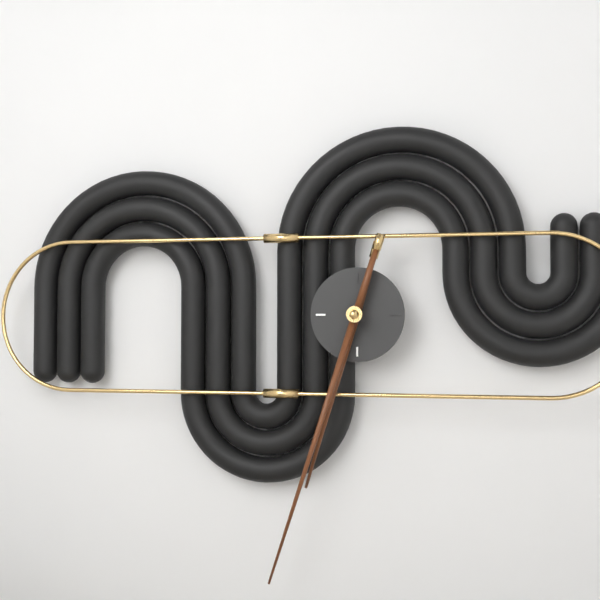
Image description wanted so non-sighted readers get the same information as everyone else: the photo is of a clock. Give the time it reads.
6:33
